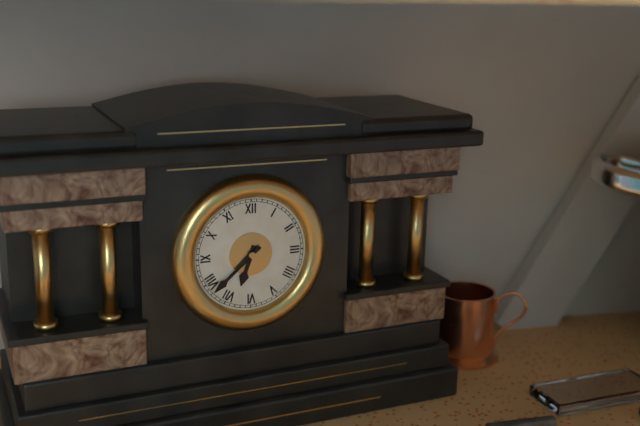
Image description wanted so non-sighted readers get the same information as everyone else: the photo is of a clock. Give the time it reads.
6:38
